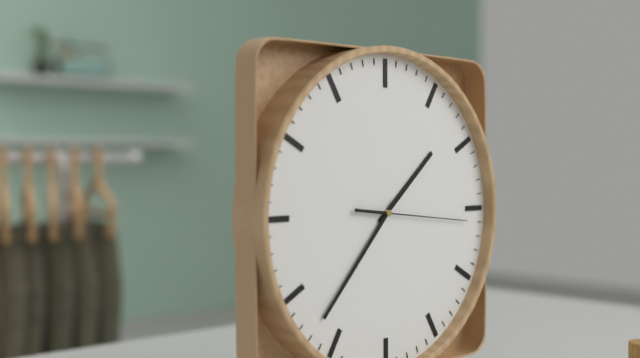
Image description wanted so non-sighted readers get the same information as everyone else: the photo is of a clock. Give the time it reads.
1:37:16
